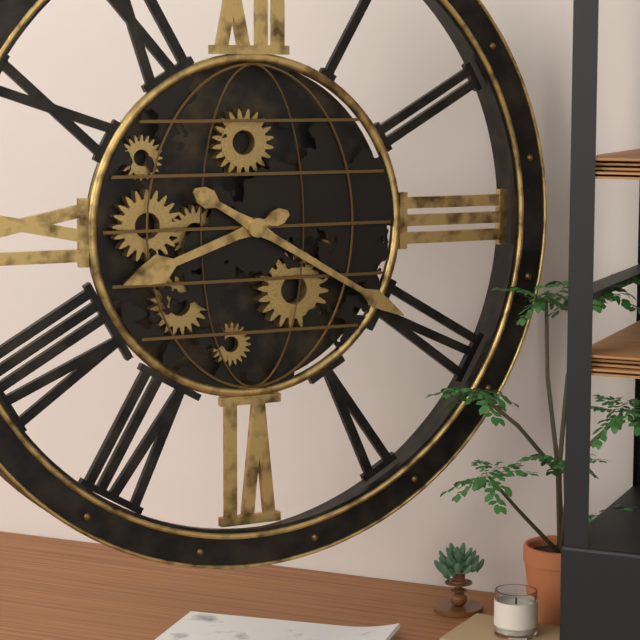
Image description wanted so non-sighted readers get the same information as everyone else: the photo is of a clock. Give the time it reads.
8:20
